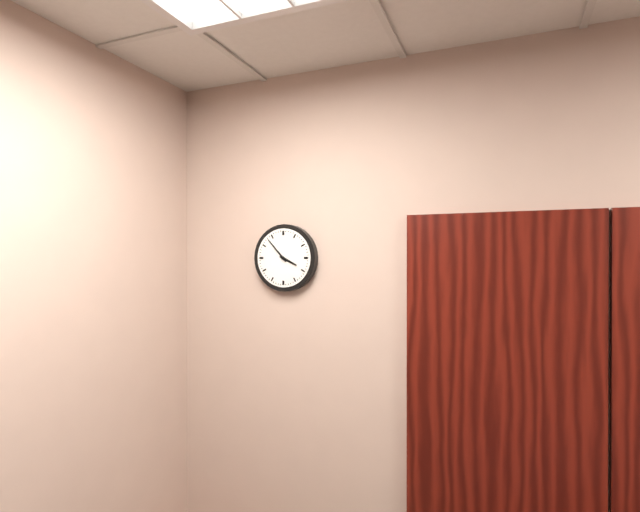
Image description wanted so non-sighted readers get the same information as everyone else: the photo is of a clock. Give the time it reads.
3:53
